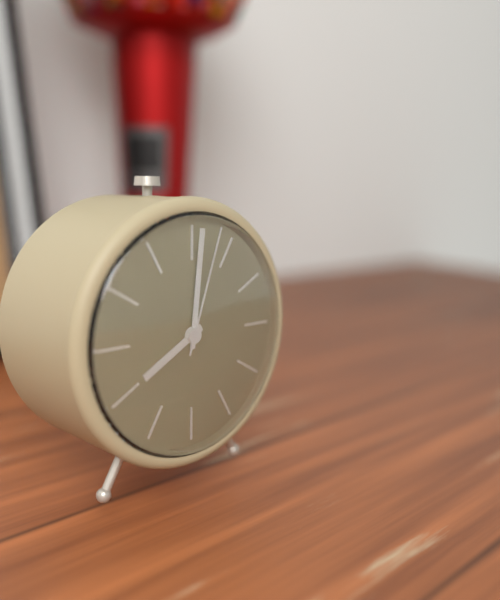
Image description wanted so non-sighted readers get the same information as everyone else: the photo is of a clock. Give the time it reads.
8:01:03
